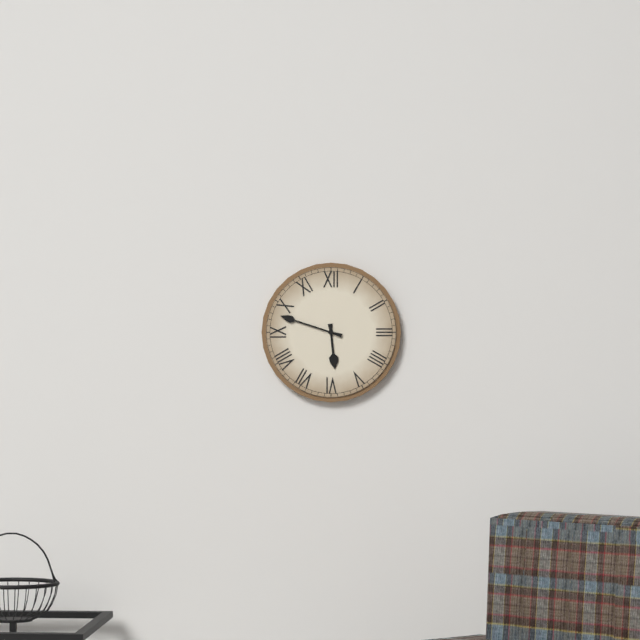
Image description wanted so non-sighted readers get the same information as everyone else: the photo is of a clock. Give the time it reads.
5:48
